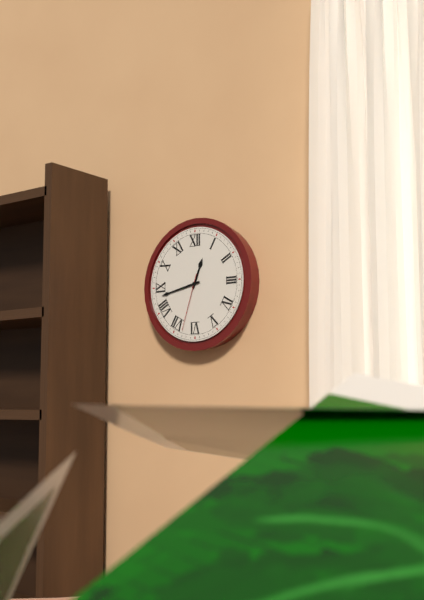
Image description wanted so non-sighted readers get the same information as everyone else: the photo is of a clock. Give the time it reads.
12:43:33
